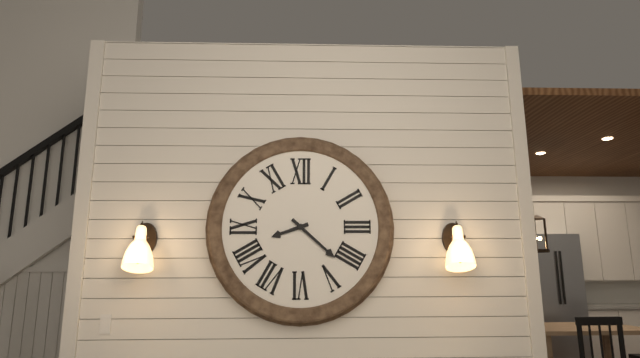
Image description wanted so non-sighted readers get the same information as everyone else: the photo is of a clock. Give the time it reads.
8:22
